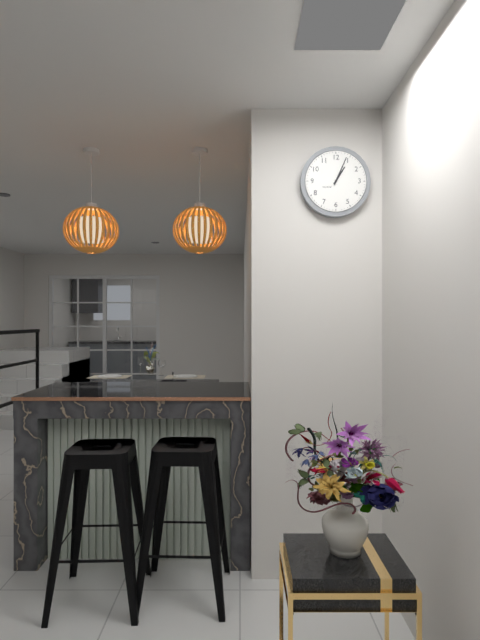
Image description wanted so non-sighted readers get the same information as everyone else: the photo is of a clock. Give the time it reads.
1:04
